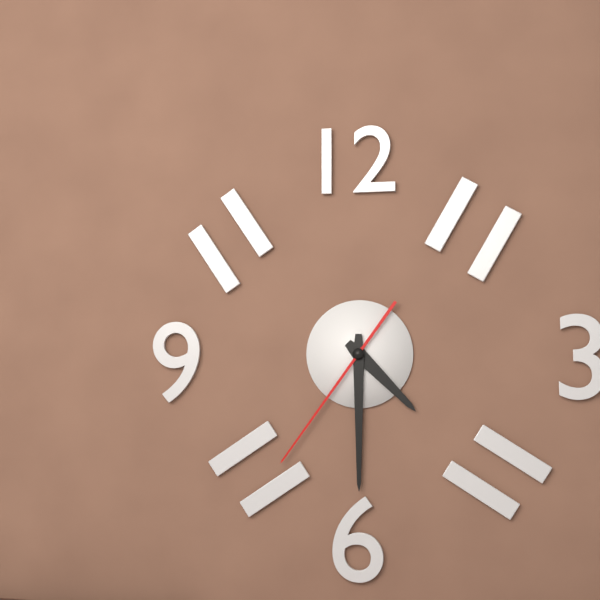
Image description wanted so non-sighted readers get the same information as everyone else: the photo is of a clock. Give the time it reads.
4:30:36
